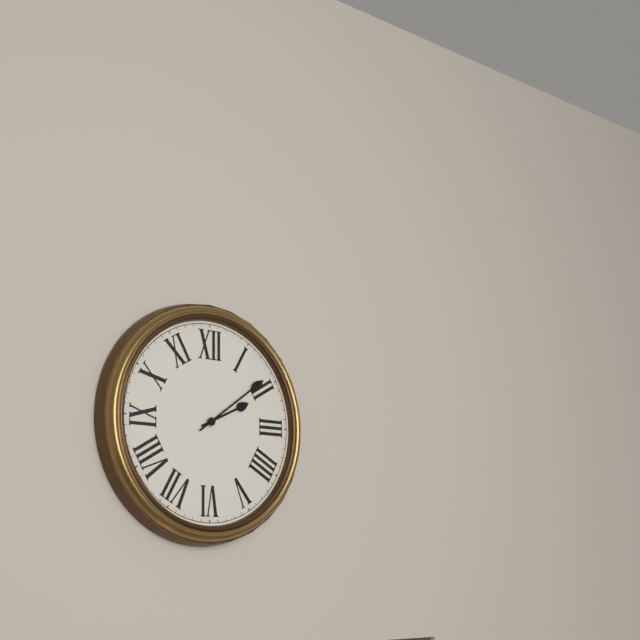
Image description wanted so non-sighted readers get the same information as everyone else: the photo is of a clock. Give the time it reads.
2:09
